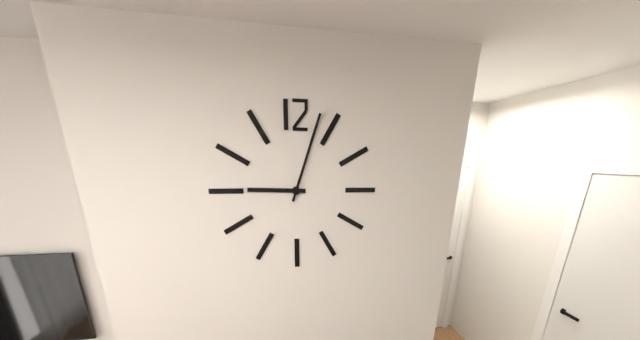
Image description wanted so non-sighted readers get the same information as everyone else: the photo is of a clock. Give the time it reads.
9:03
